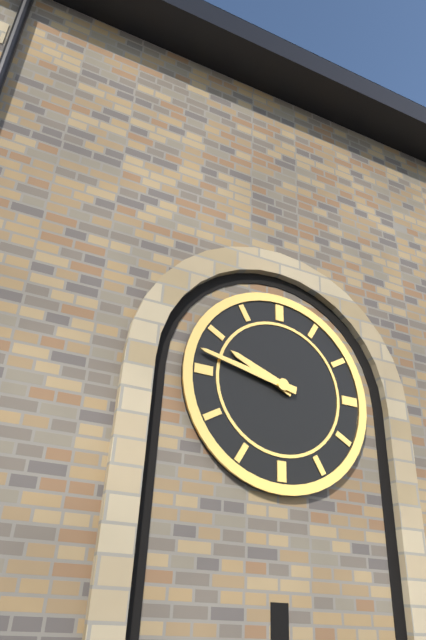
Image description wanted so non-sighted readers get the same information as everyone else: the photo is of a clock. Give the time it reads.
9:47
